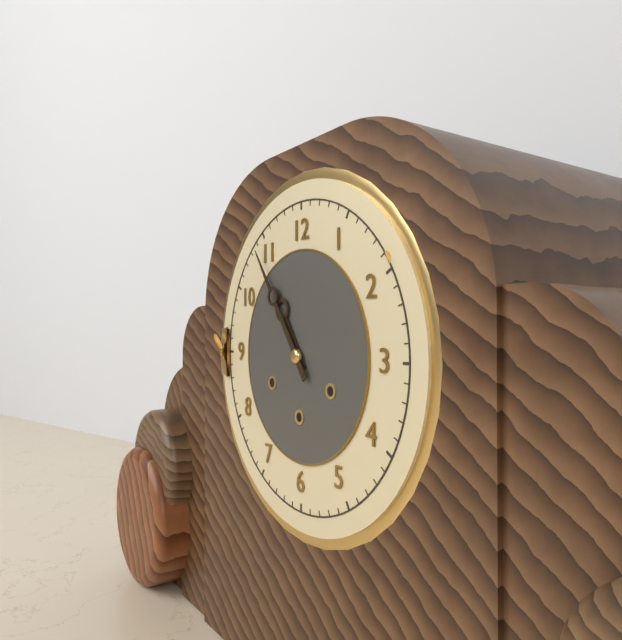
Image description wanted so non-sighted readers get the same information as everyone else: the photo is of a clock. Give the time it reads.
10:54
